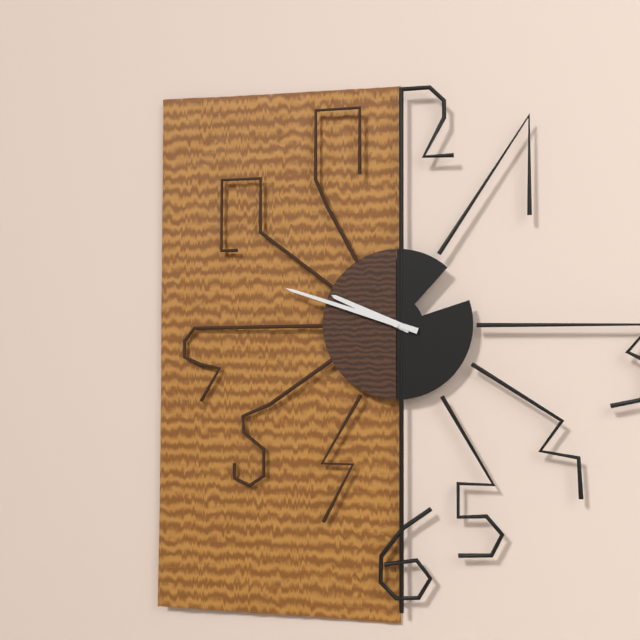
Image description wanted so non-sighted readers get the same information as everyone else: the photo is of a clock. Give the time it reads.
9:48
